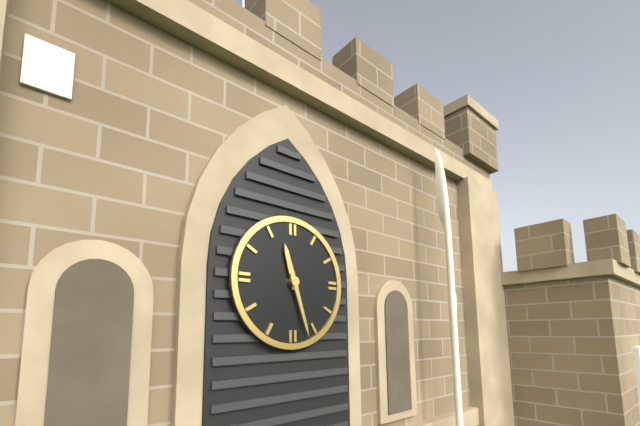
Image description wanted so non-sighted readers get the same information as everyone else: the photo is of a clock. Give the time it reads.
11:27
